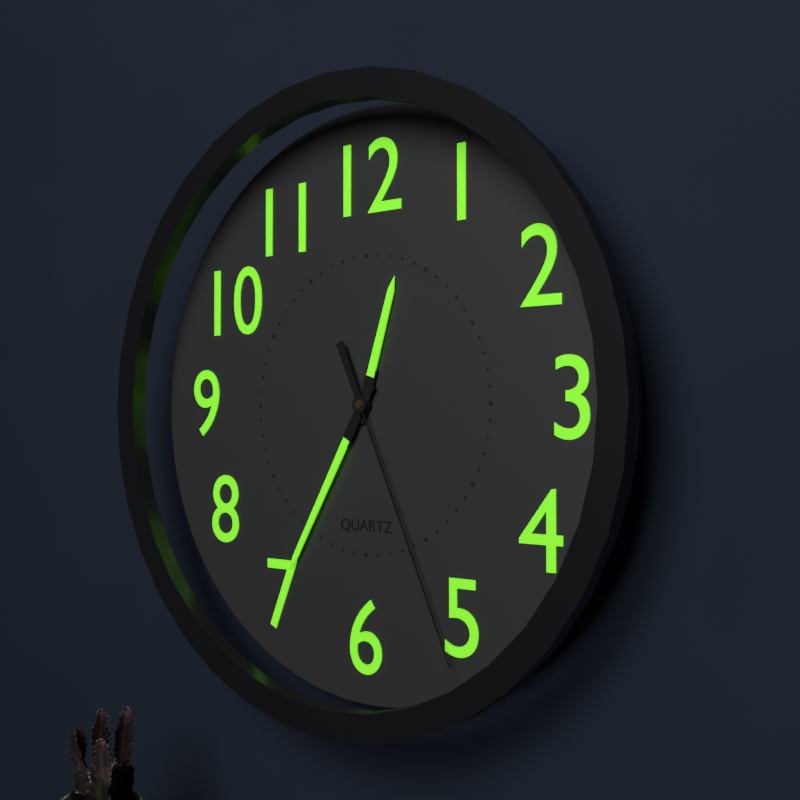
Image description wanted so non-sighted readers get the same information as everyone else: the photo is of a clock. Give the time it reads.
12:35:26
